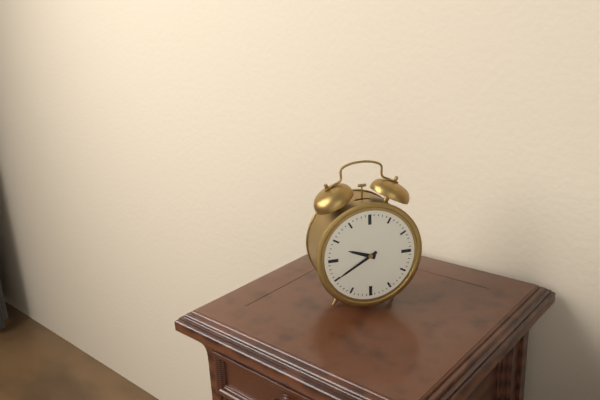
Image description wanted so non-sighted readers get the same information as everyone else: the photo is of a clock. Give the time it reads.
9:40
